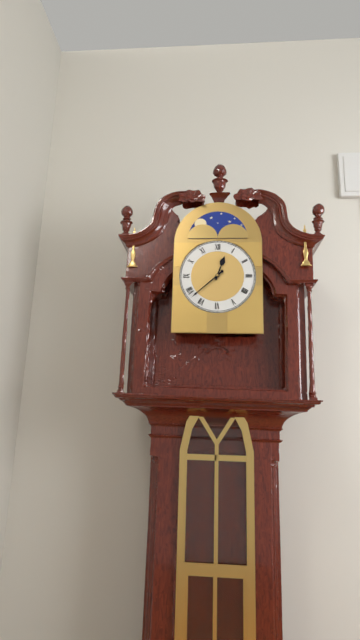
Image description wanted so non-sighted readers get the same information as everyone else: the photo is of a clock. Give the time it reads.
12:38
